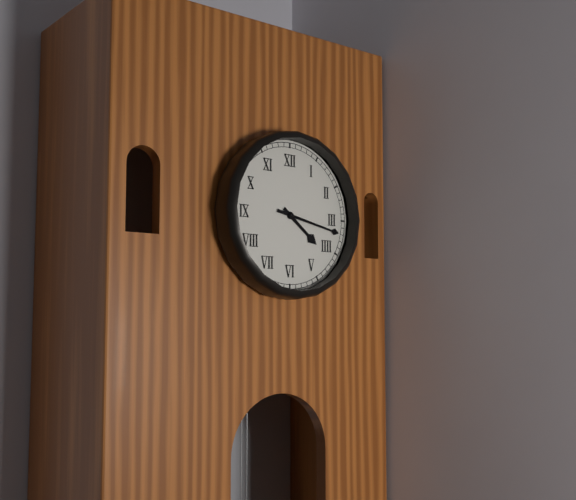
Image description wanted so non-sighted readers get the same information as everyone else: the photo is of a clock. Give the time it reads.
4:17
